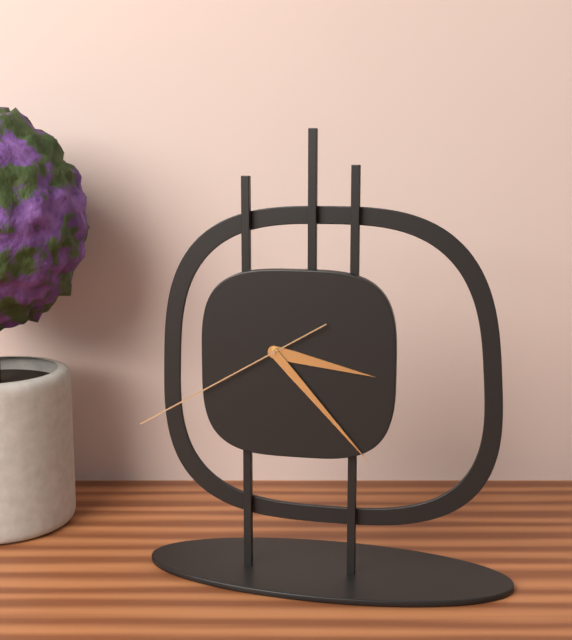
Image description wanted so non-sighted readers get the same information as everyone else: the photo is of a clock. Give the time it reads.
3:23:40
